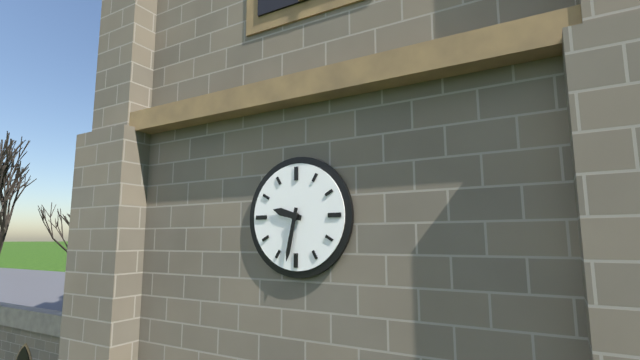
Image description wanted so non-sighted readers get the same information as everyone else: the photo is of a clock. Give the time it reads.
9:32
